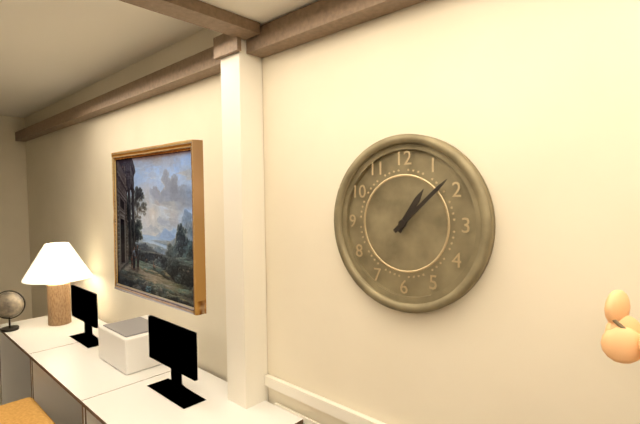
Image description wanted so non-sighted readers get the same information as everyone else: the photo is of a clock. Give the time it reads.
1:08
